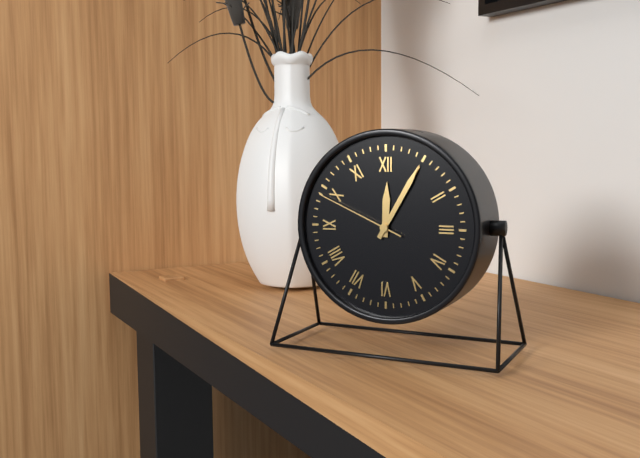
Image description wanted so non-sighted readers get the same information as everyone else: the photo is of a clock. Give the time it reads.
12:05:49
